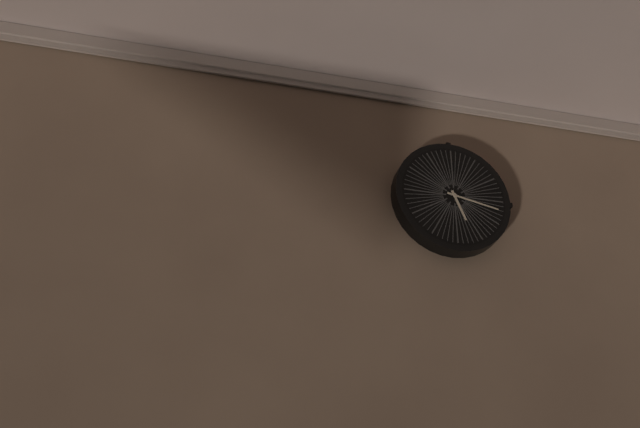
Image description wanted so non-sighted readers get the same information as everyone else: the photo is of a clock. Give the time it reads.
5:17
